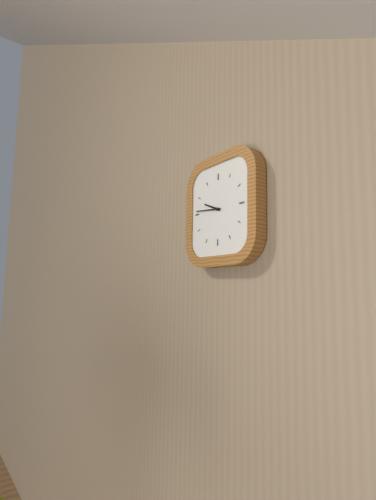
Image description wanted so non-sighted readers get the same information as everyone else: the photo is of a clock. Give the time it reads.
9:46
